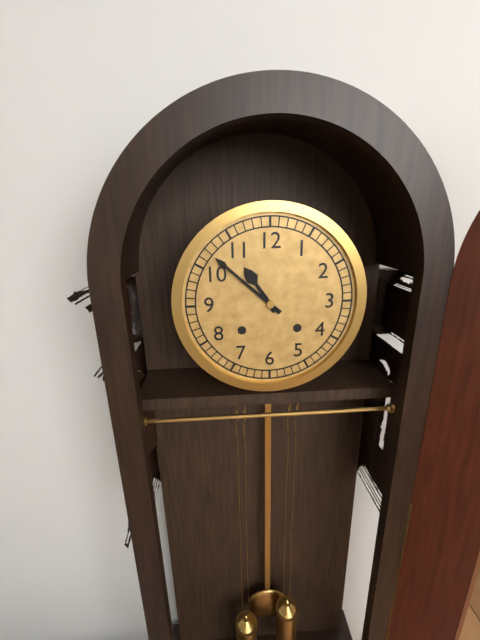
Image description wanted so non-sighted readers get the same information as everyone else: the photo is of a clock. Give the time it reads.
10:52
